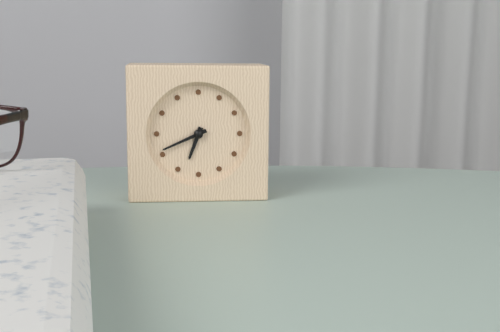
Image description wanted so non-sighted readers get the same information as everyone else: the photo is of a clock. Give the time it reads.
6:41
